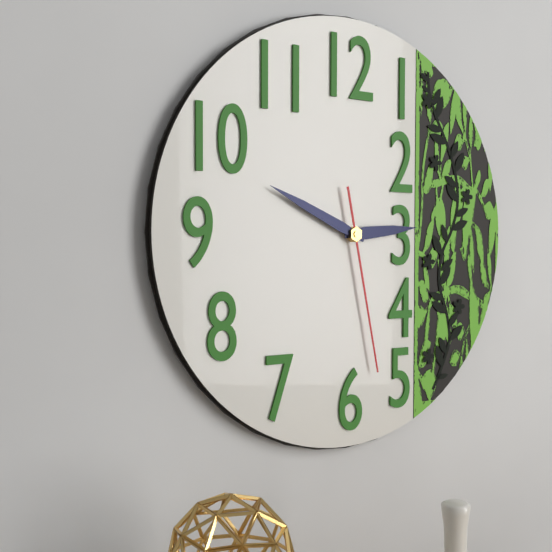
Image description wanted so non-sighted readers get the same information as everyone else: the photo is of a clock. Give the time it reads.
2:49:28
